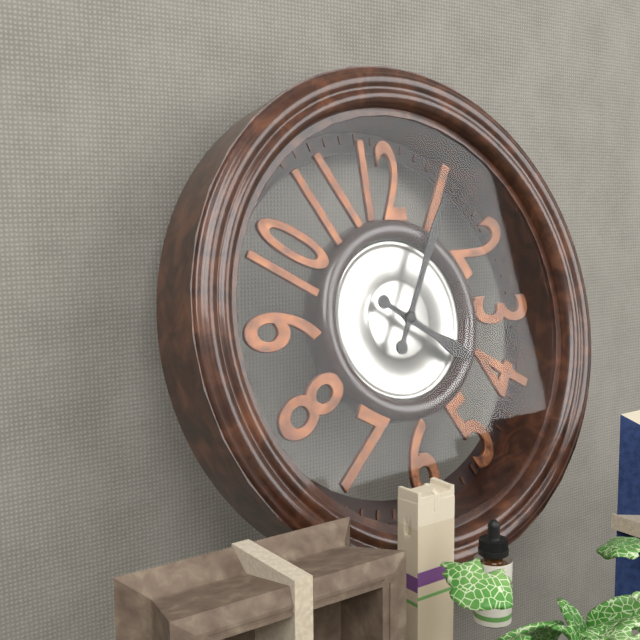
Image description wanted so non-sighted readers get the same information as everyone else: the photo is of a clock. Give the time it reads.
4:05
